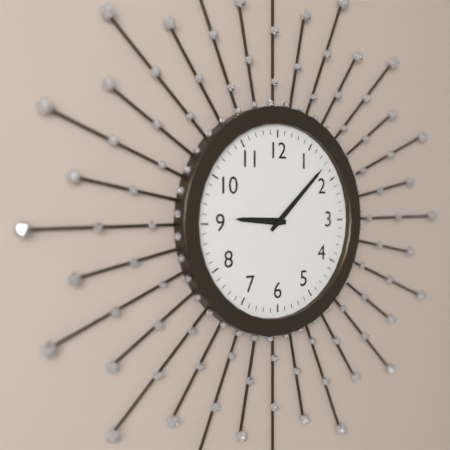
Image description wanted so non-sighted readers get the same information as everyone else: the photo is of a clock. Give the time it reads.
9:08
